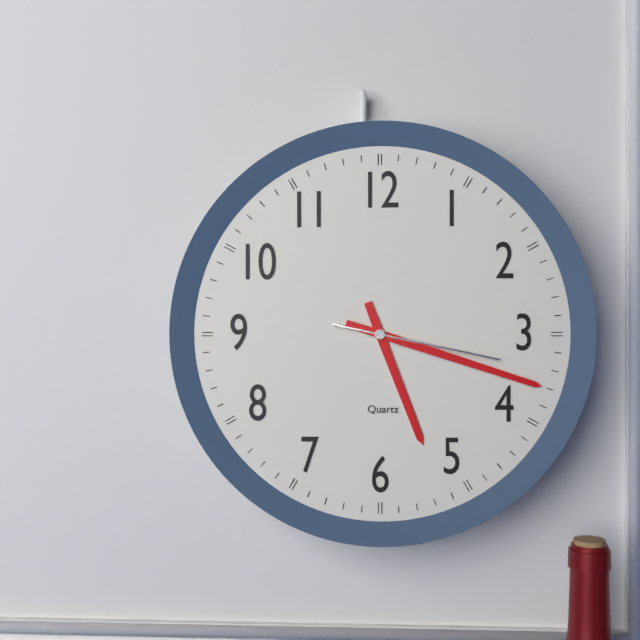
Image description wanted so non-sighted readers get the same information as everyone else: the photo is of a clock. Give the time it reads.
5:18:17
